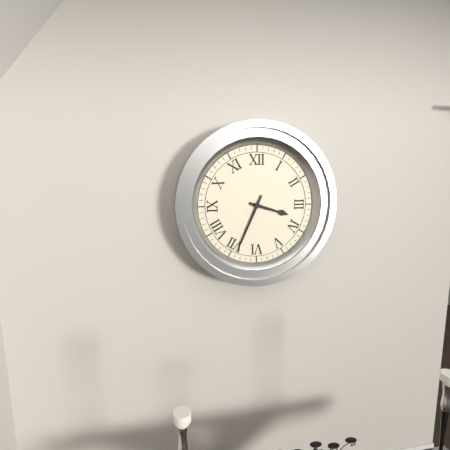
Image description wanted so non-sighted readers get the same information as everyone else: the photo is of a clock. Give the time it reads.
3:34
